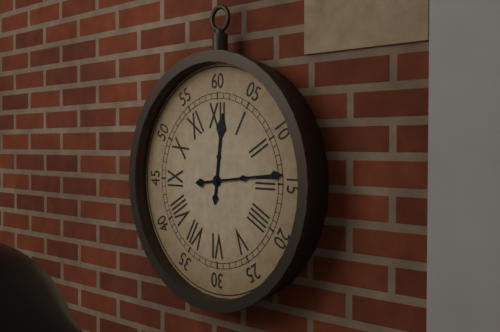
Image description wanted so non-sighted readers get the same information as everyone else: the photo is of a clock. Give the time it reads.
12:14
